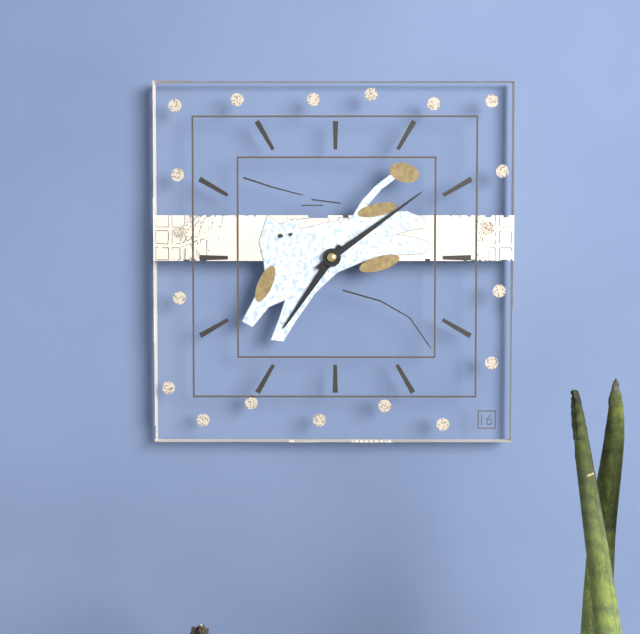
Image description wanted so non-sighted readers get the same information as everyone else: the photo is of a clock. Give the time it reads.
7:09
